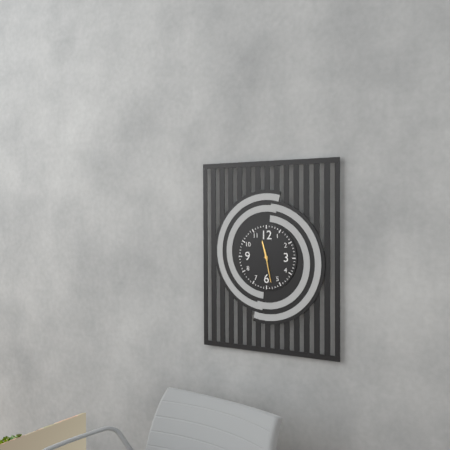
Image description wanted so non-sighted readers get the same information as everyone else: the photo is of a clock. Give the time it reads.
11:28
